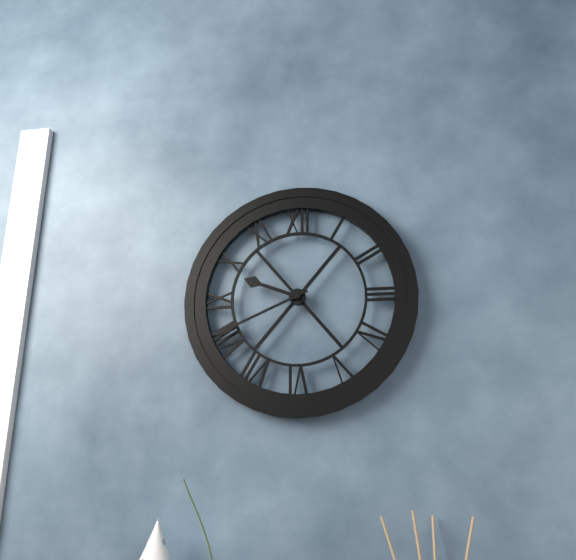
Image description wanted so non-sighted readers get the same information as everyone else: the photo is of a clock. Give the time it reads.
9:41
